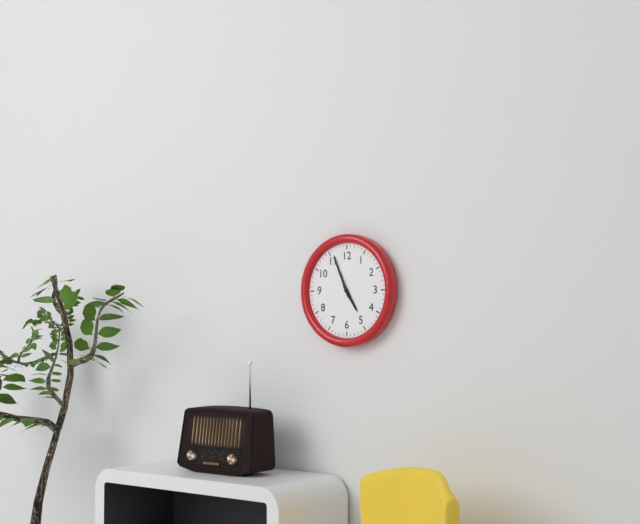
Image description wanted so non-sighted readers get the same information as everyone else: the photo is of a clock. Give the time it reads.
4:56
